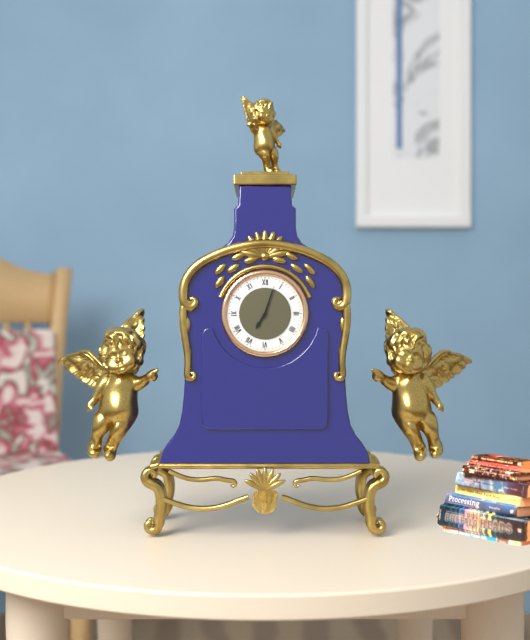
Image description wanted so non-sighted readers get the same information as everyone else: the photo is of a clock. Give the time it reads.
7:03
